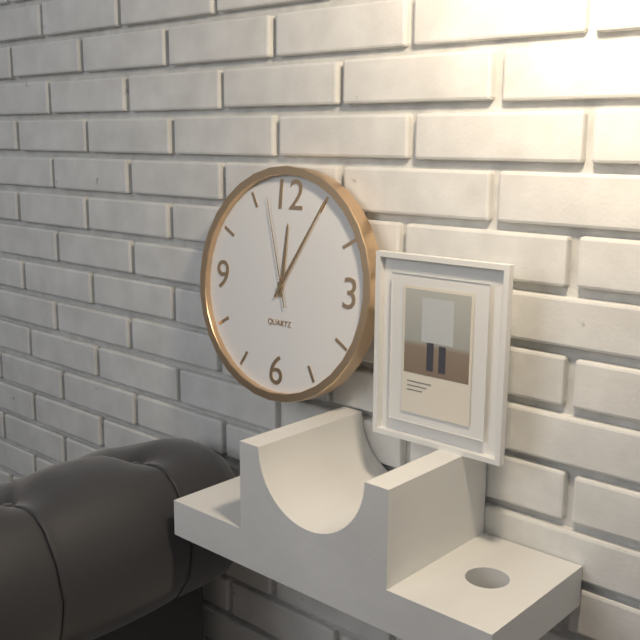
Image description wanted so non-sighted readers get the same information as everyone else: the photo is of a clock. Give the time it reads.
12:05:57
